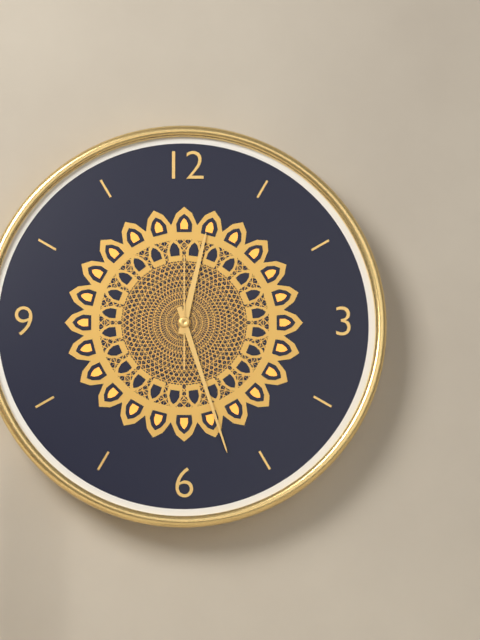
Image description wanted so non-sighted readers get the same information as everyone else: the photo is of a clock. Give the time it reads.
12:27:00
